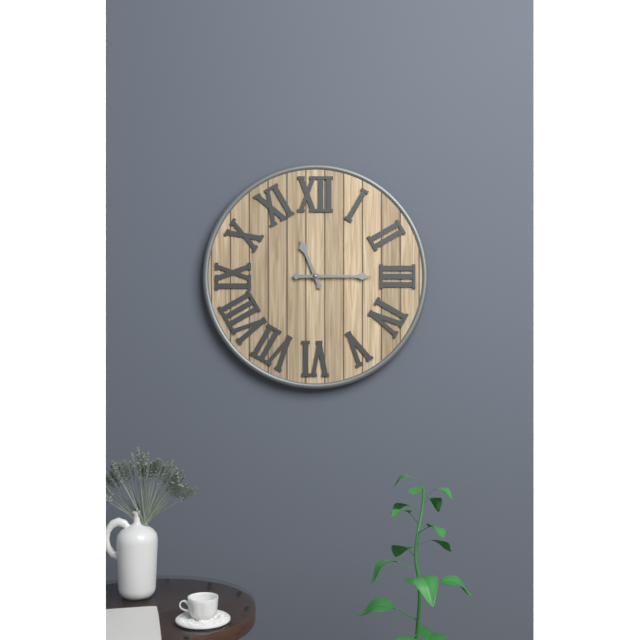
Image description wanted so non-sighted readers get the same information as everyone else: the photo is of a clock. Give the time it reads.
11:15
